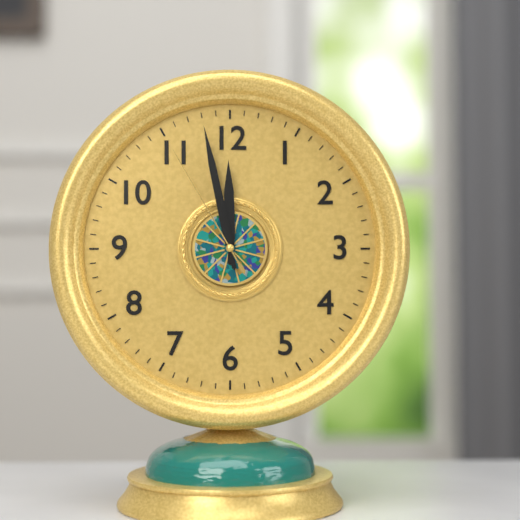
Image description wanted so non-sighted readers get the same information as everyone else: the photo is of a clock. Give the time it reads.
11:58:55
